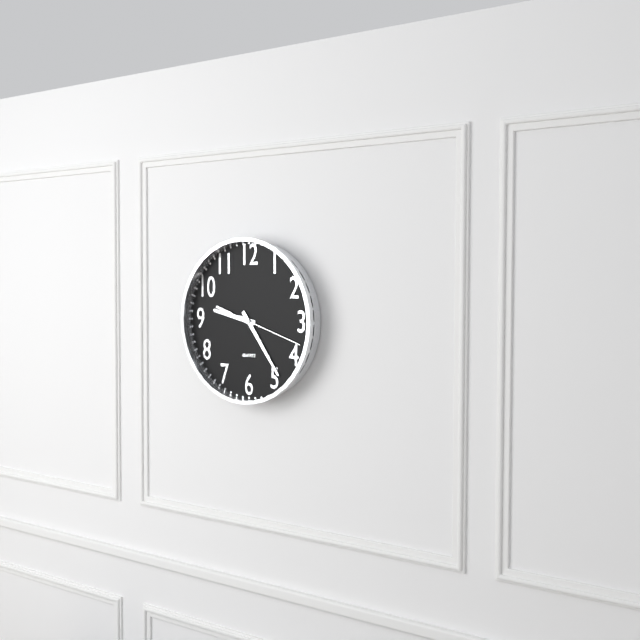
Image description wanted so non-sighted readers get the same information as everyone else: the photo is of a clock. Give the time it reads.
9:24:18
